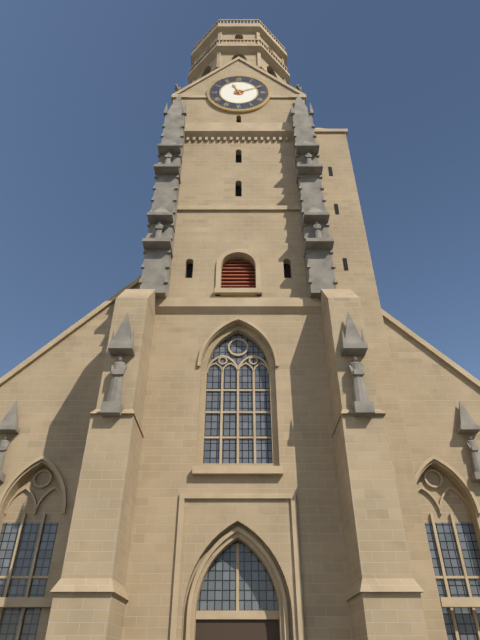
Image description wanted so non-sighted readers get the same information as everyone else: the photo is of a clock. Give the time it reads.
11:11
